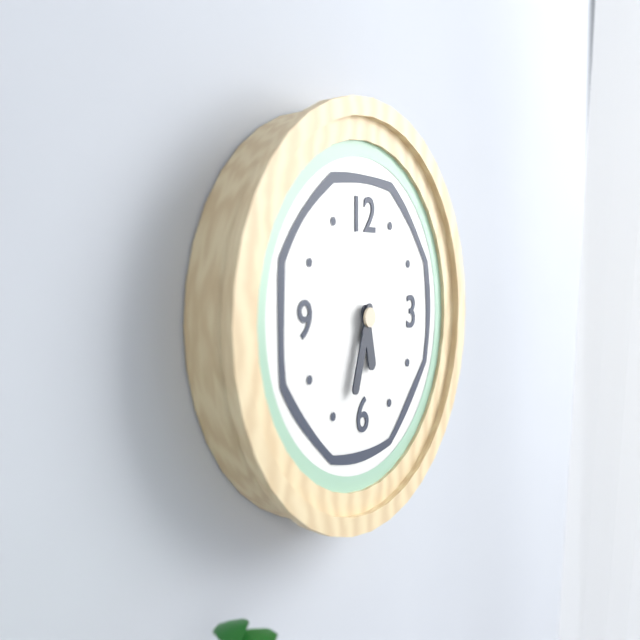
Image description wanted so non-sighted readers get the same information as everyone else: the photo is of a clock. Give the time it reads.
5:33
